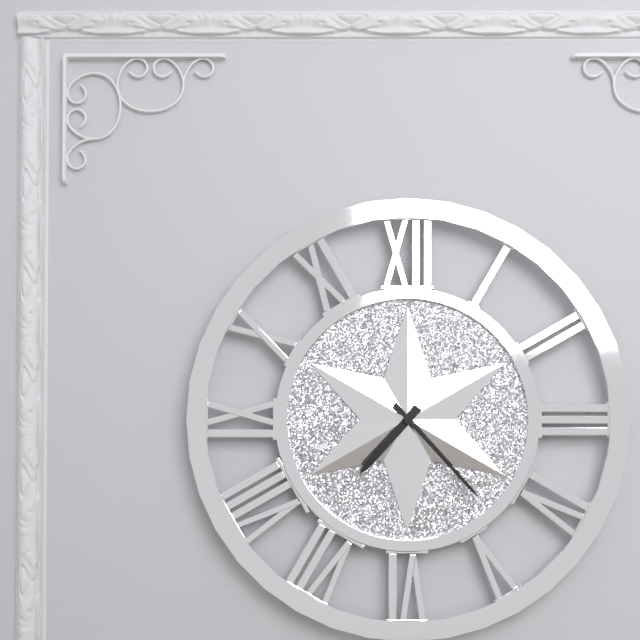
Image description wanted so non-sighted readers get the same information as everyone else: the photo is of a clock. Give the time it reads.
7:23
